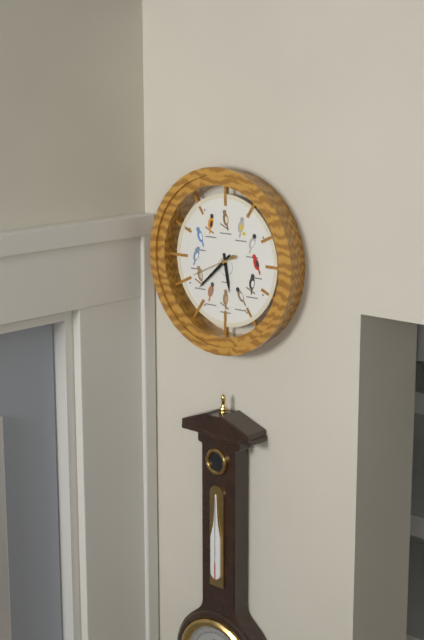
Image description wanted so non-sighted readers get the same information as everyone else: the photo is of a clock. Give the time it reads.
5:38
